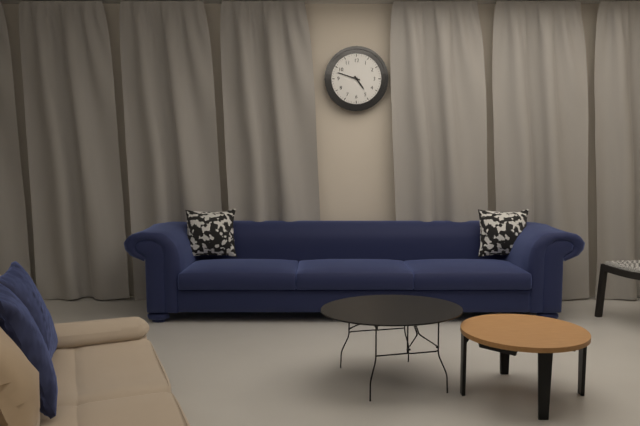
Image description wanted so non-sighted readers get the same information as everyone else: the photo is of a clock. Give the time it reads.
4:48
